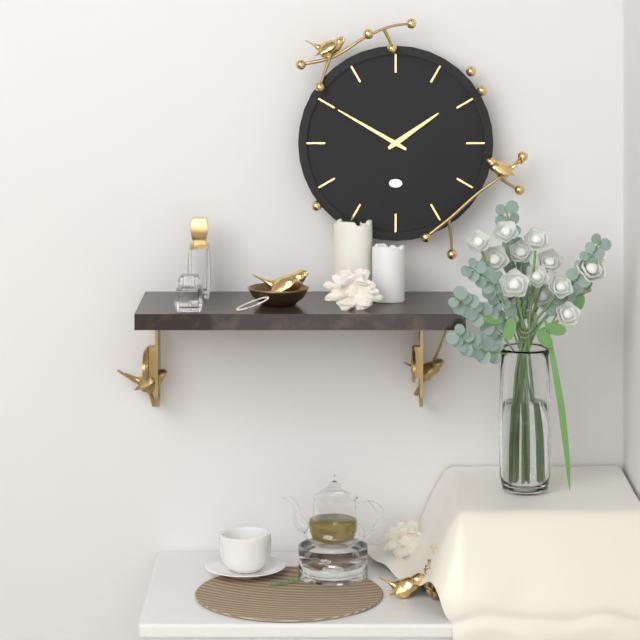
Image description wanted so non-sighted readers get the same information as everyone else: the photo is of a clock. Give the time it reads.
1:50
